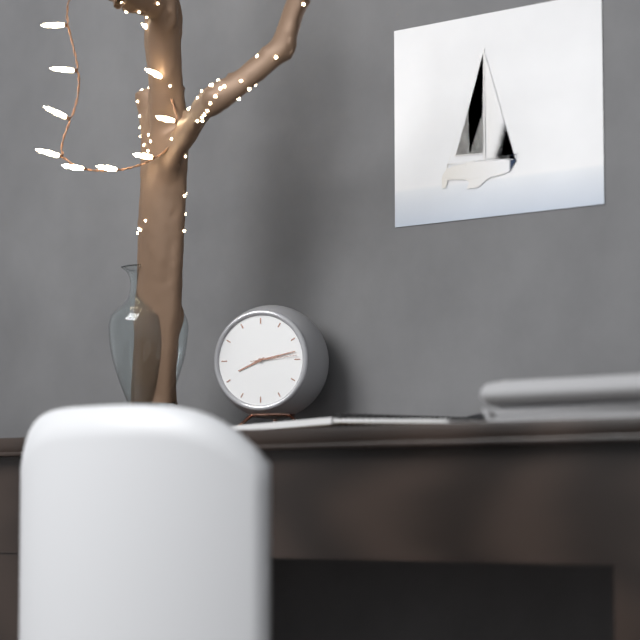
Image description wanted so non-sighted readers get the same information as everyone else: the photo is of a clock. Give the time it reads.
8:13
